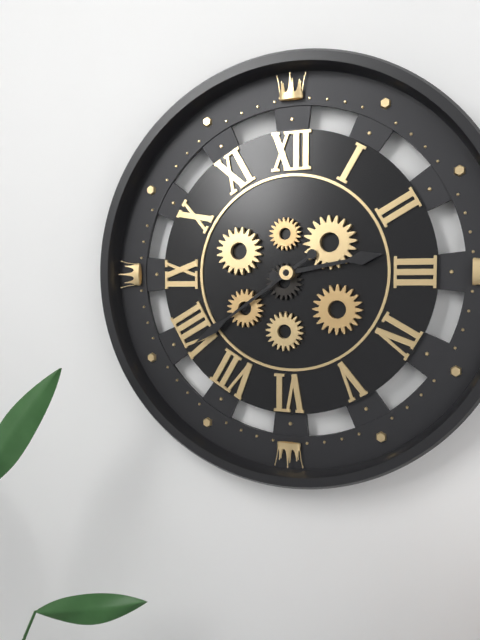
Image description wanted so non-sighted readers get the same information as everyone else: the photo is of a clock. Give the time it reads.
2:39
